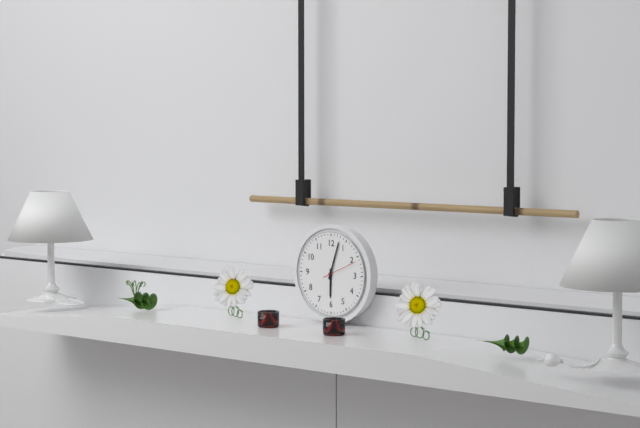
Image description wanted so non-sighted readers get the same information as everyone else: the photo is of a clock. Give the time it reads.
6:03
